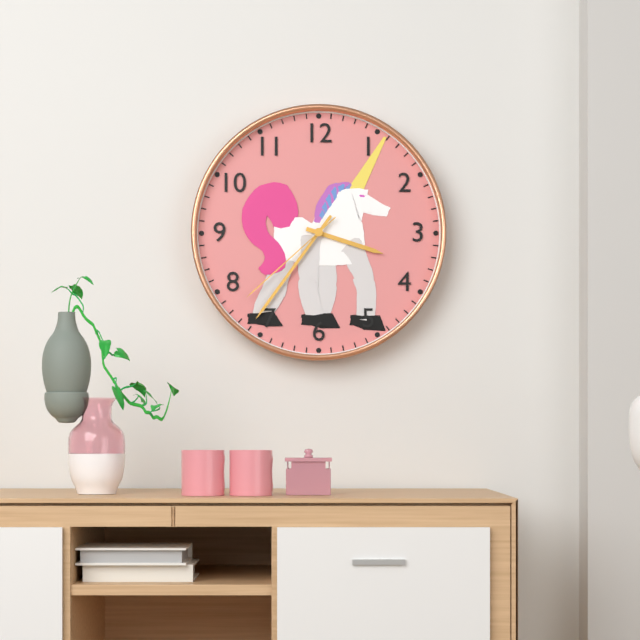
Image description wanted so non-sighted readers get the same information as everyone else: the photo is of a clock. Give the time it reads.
3:36:38
